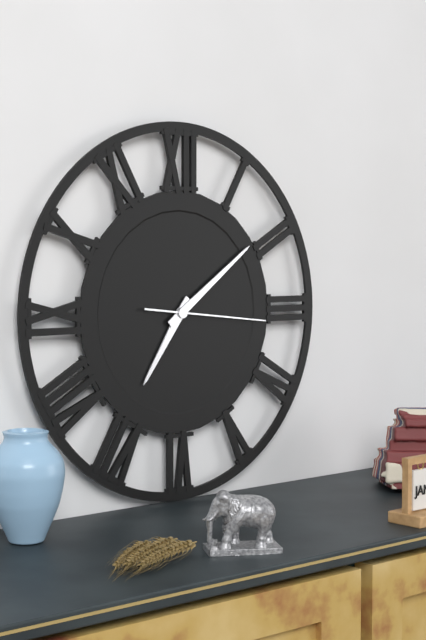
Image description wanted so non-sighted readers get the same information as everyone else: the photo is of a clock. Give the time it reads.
7:09:16
